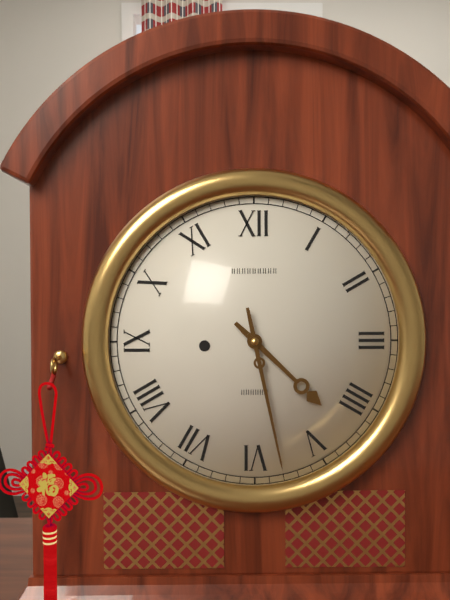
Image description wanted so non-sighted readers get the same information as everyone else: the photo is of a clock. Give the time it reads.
4:28
